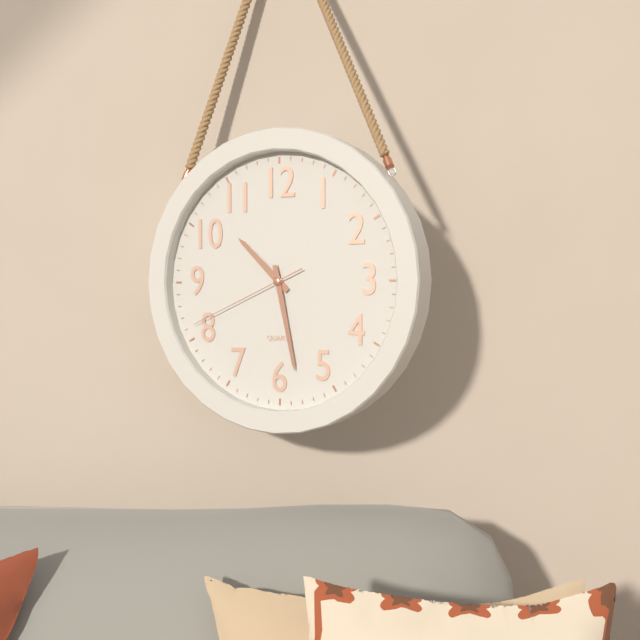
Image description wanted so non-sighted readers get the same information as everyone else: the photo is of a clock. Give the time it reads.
10:28:41
